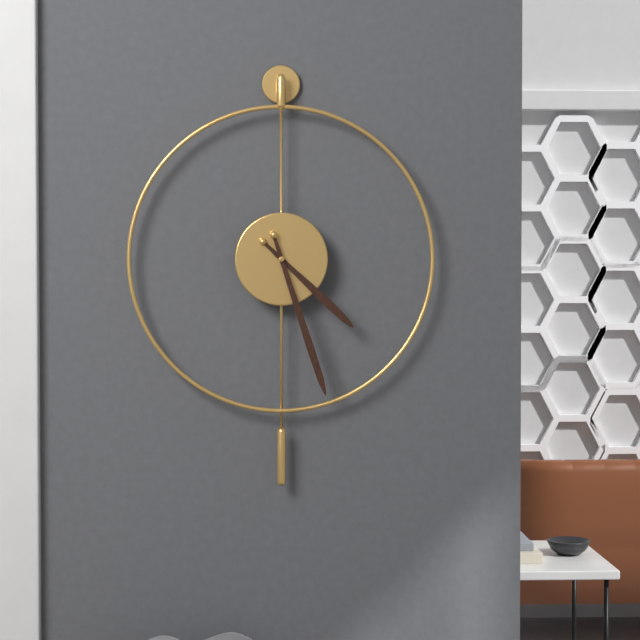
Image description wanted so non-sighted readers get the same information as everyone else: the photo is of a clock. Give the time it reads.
4:27
